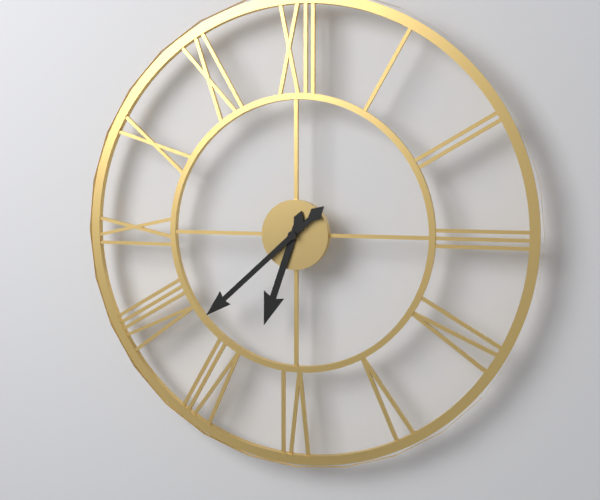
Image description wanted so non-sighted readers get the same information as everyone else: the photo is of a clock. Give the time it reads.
6:38
